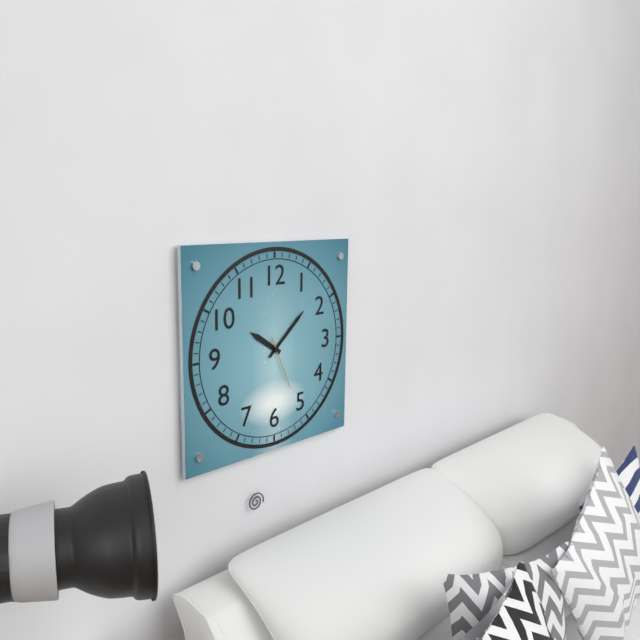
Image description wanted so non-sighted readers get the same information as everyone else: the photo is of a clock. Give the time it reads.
10:08:26
